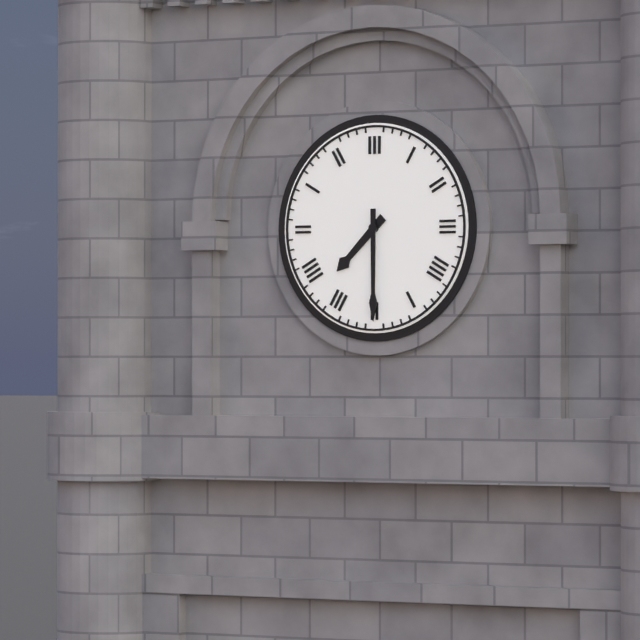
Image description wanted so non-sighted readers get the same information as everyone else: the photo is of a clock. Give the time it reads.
7:30
